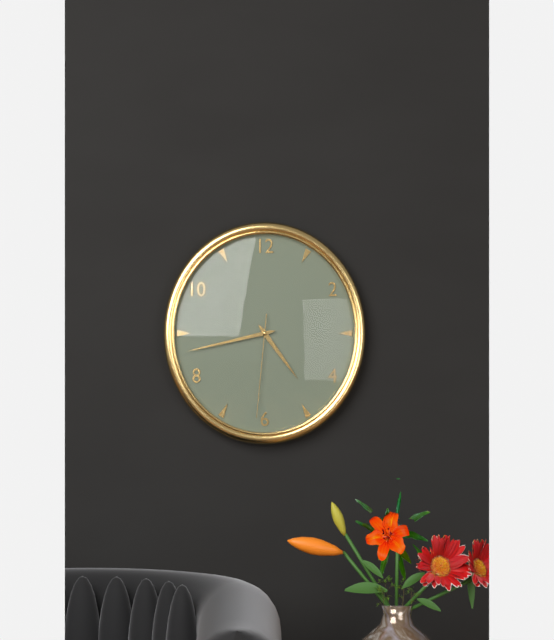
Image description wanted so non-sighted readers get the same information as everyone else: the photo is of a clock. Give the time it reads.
4:43:31
